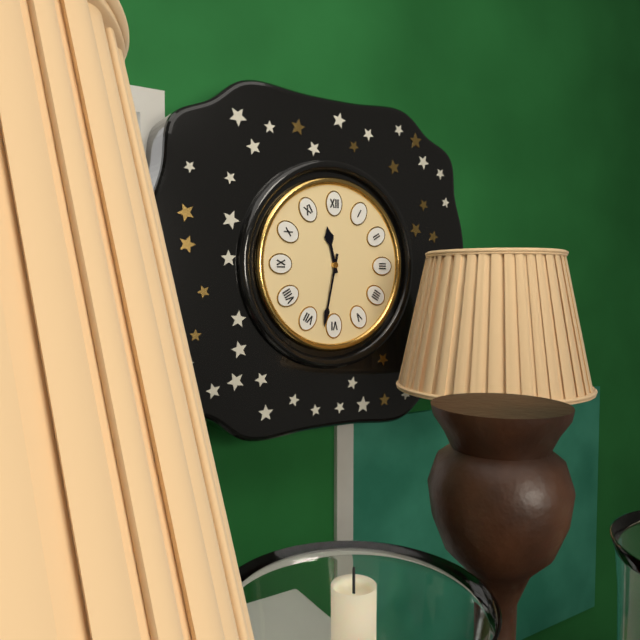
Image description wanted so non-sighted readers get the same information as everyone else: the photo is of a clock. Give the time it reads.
11:32
